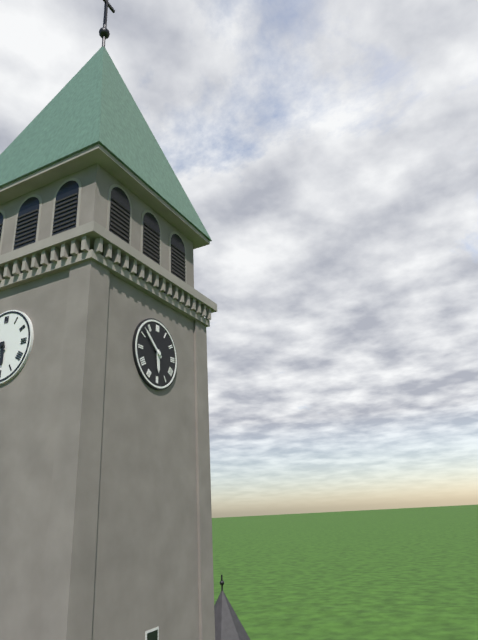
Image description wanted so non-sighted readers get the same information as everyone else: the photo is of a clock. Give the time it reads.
5:52
